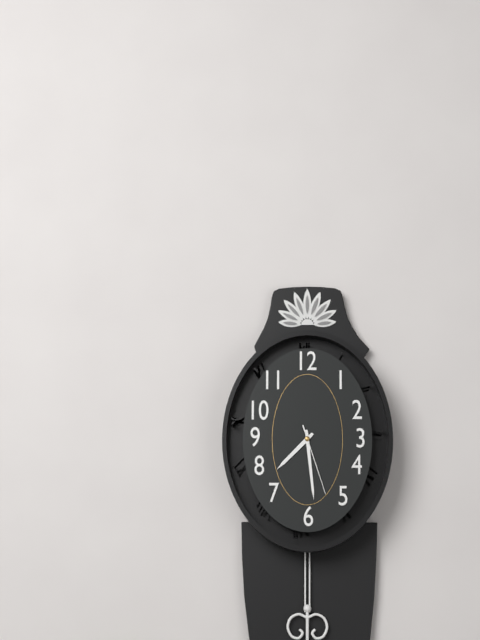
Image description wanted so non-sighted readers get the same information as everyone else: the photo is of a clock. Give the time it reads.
7:29:27
